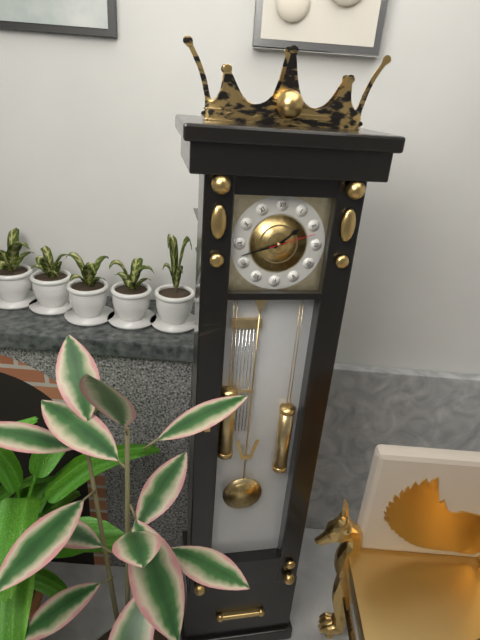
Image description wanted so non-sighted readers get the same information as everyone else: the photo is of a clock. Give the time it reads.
1:42
